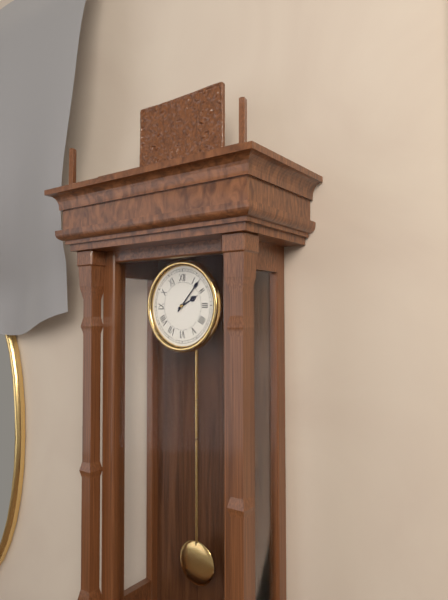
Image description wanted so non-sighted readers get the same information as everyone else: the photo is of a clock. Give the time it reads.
2:07
